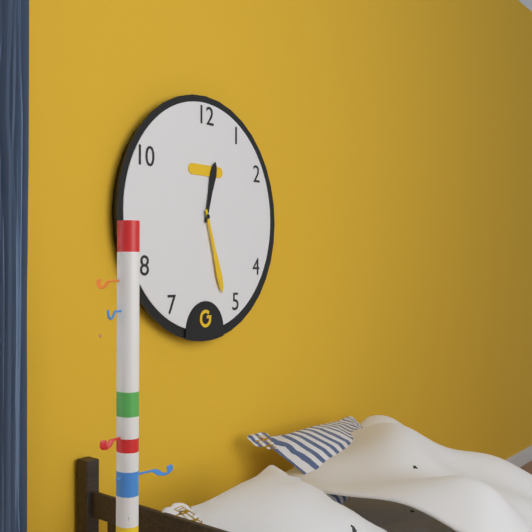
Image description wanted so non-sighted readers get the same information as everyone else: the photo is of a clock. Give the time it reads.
12:27
